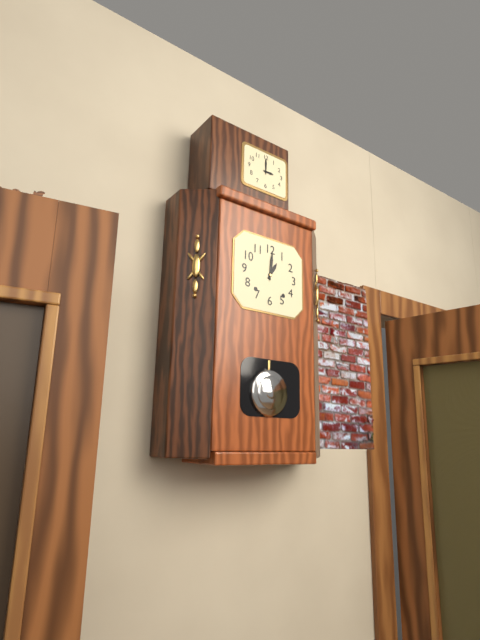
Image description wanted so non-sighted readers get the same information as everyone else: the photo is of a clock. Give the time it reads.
1:01
